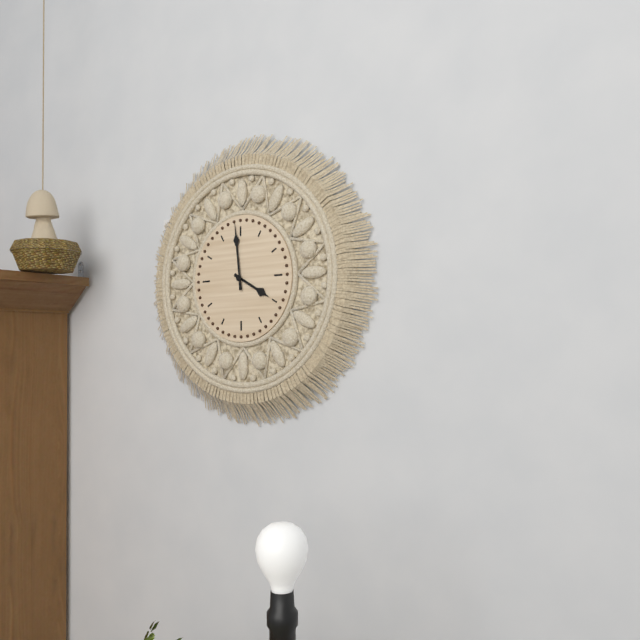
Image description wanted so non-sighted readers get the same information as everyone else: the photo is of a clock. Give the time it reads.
3:59
